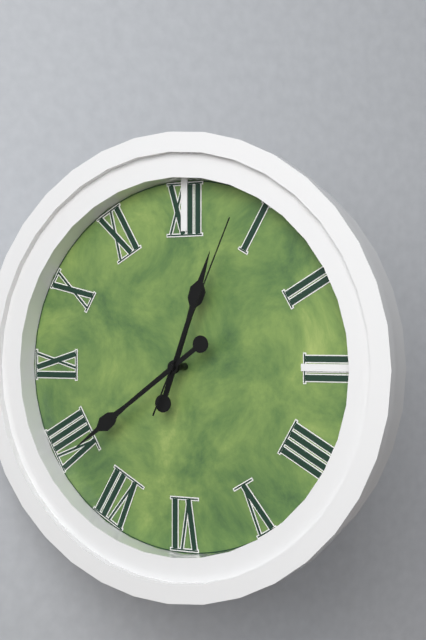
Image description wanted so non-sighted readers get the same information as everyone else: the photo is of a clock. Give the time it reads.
12:39:04
